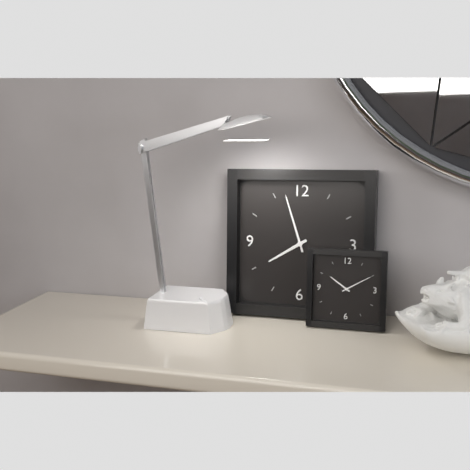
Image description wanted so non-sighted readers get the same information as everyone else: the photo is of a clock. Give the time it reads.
7:57
